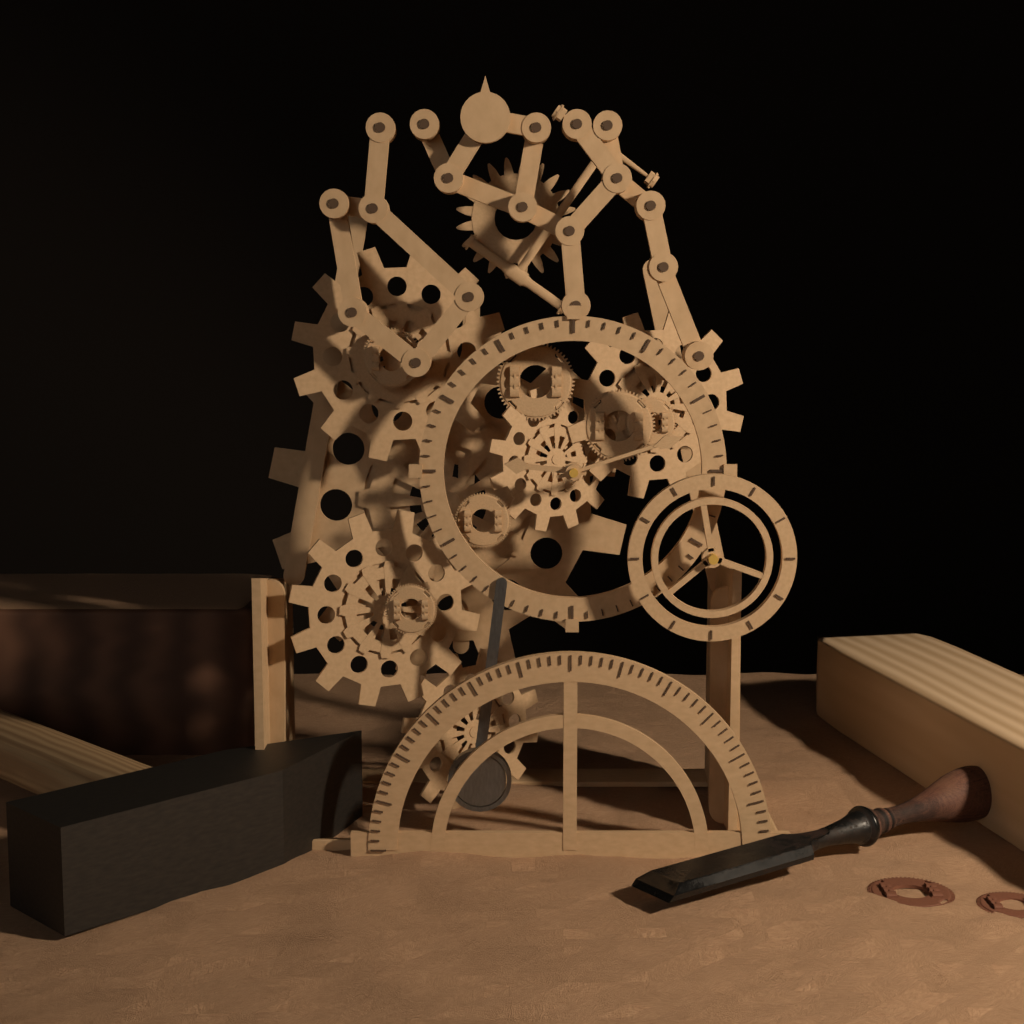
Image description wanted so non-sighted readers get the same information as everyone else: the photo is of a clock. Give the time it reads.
9:12
